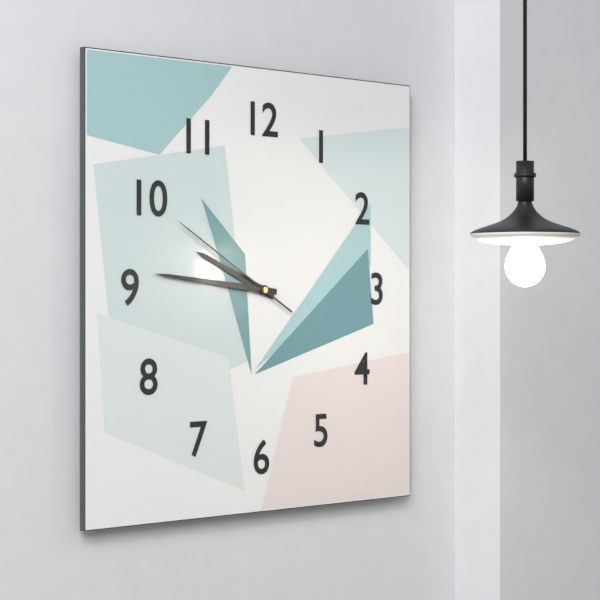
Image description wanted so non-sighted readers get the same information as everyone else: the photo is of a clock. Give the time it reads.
9:46:50
